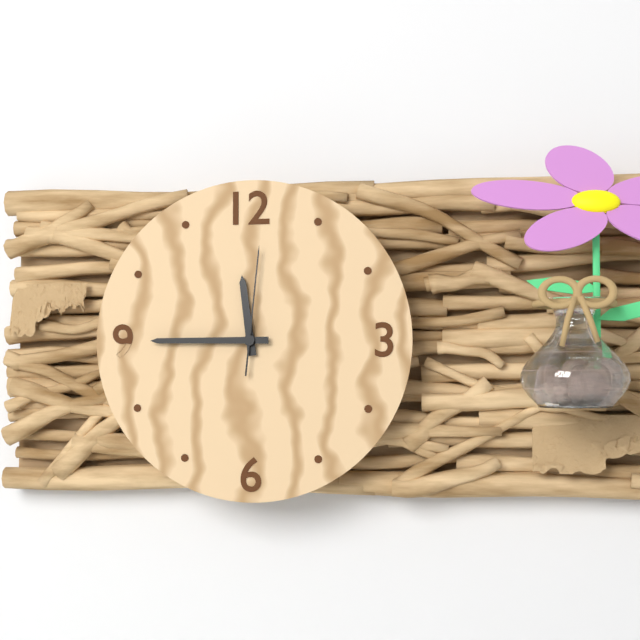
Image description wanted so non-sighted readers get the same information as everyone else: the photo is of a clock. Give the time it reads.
11:45:01
